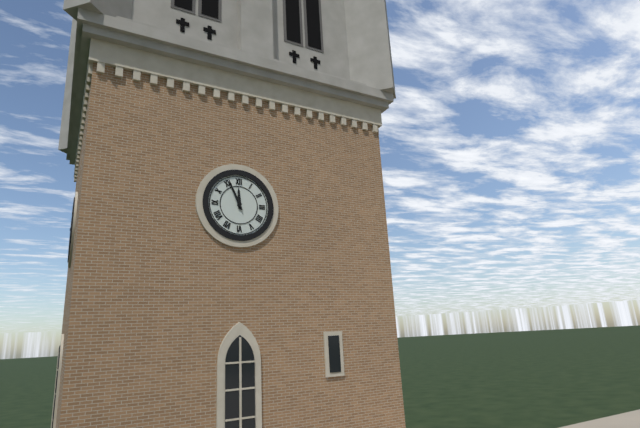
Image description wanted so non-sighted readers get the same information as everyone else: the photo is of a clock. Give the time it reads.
11:56
